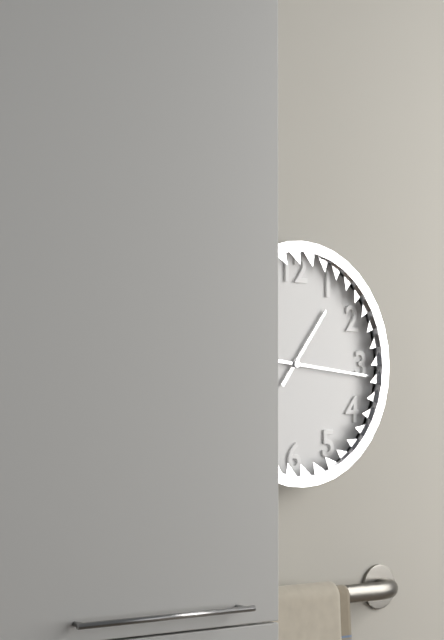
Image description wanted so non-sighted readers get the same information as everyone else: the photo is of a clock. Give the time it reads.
1:16
